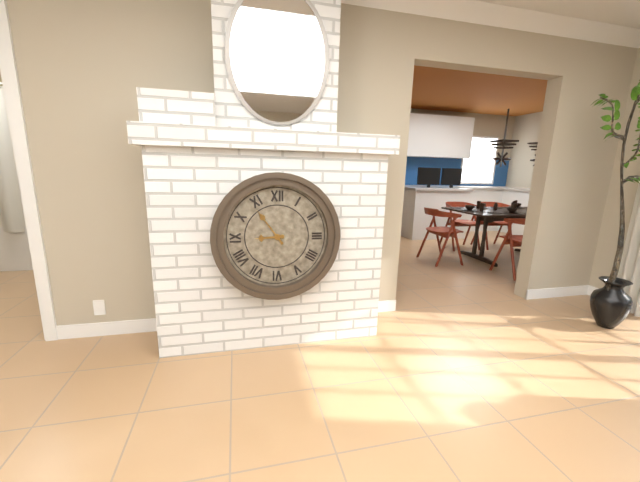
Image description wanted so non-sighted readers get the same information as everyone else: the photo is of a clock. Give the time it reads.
8:54
